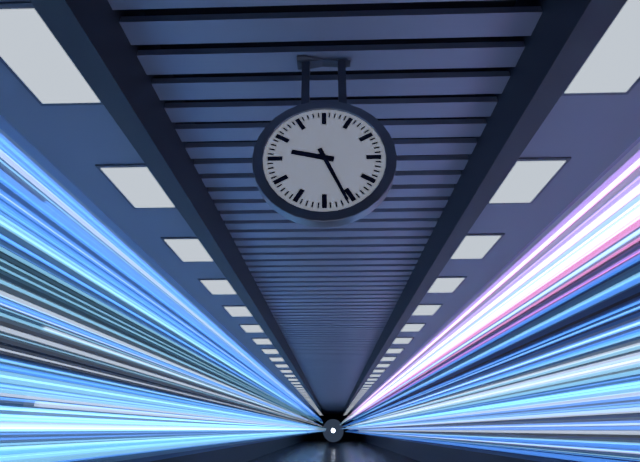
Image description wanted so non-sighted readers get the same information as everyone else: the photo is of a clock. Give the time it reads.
9:26
